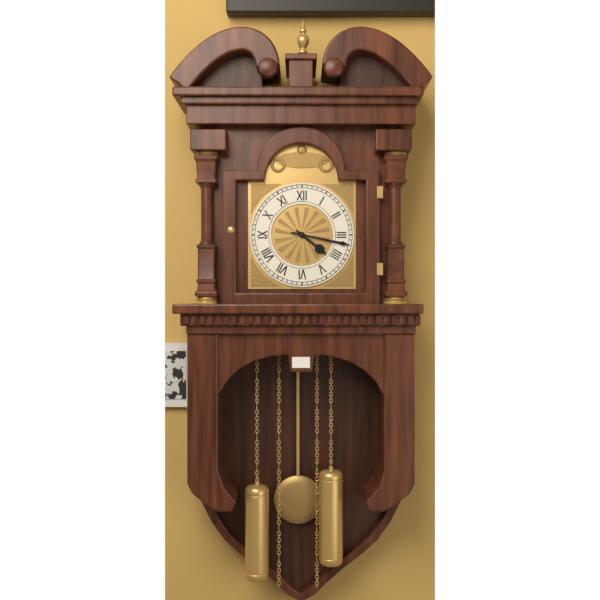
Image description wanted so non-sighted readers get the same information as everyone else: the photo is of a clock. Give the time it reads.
4:17
